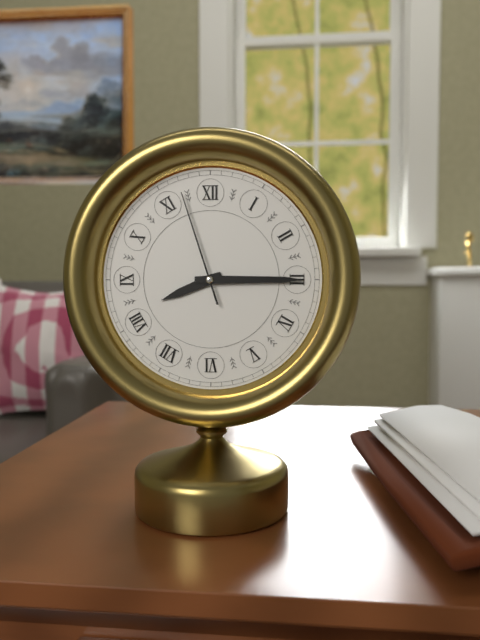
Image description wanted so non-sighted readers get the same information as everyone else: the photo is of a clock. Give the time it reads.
8:15:57
